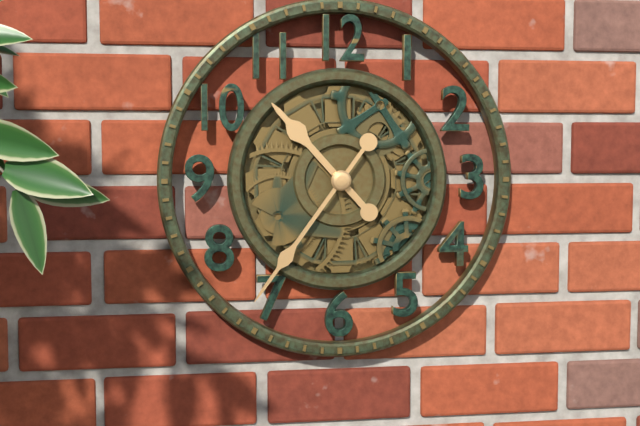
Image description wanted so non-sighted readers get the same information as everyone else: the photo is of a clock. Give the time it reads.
10:36
